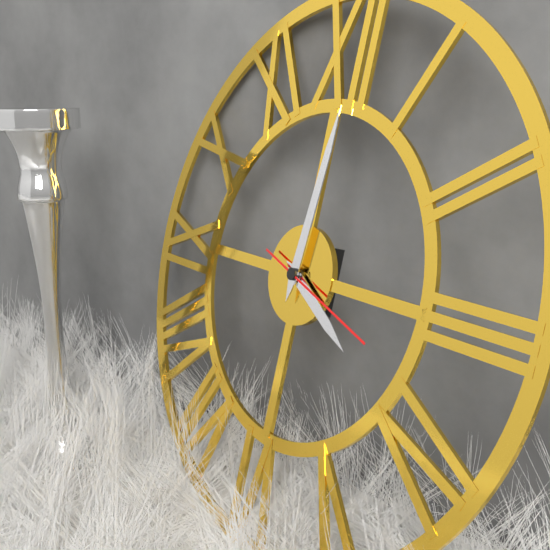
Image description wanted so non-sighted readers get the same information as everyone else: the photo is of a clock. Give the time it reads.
4:01:18
